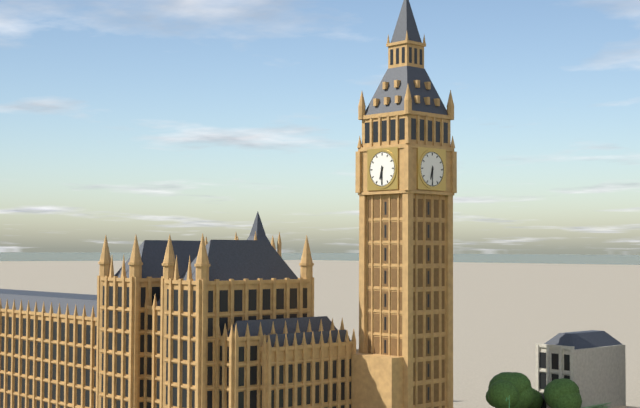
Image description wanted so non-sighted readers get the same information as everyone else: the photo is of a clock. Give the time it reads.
6:30
